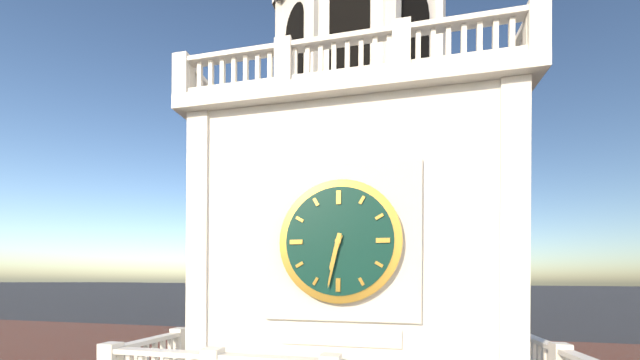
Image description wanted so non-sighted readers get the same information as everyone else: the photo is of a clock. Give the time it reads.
6:32
